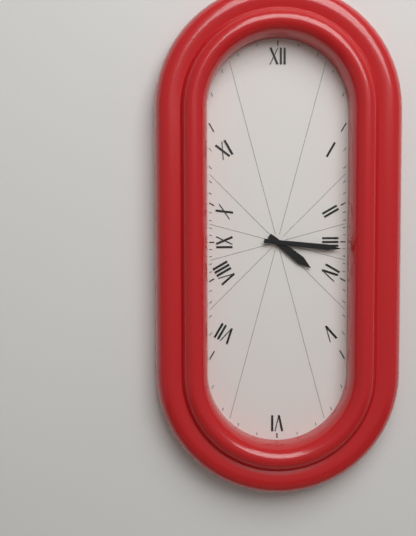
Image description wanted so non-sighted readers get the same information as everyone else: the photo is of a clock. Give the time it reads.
4:16
